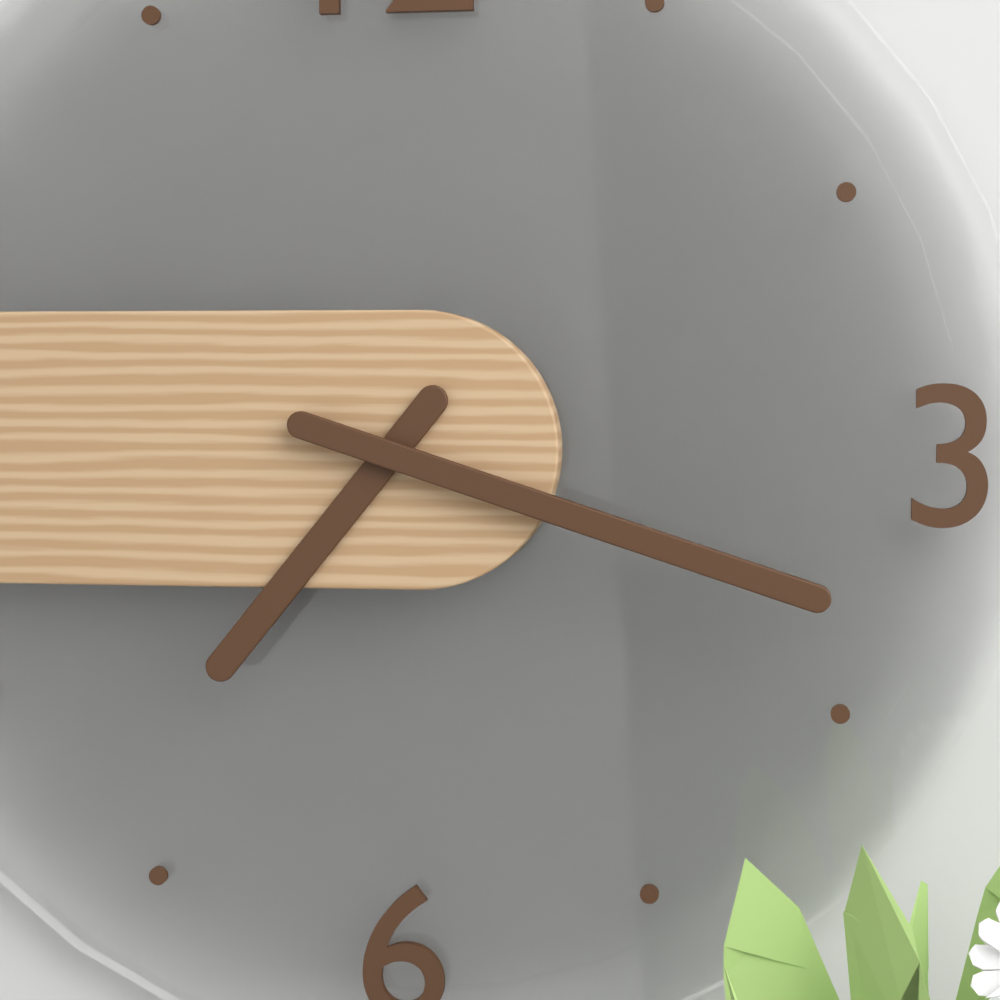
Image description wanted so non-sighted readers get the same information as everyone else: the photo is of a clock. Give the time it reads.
7:18
